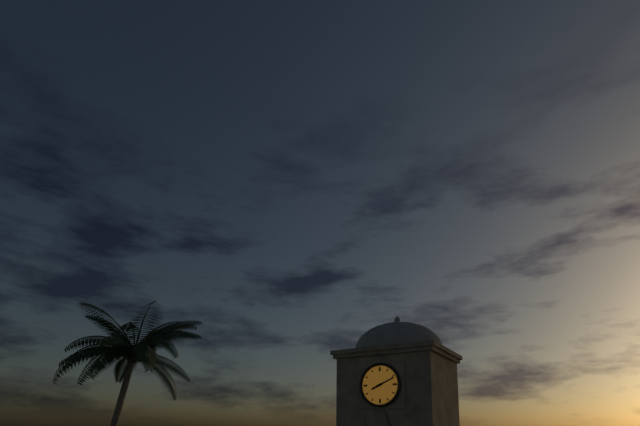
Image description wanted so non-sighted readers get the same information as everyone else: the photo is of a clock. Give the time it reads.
8:11
